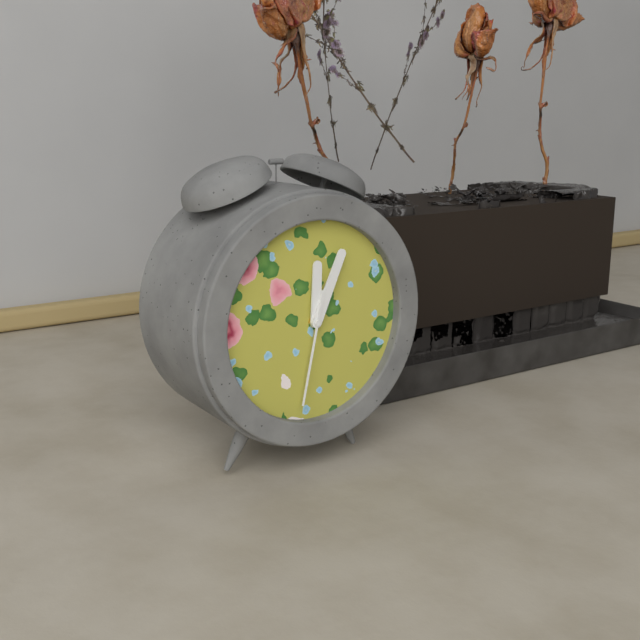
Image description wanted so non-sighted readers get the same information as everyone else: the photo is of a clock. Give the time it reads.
12:04:32
